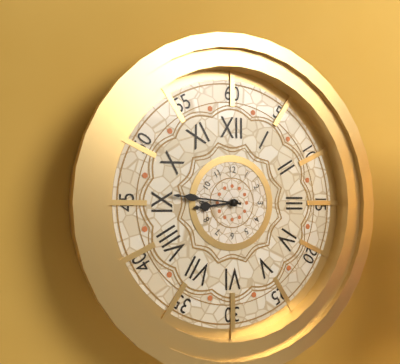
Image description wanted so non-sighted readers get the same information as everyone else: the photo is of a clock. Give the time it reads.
8:46
